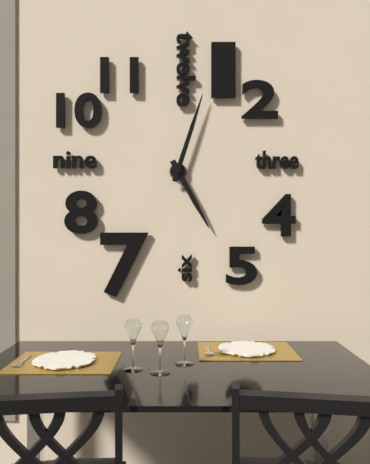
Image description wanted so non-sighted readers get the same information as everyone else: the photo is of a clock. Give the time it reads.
5:03
